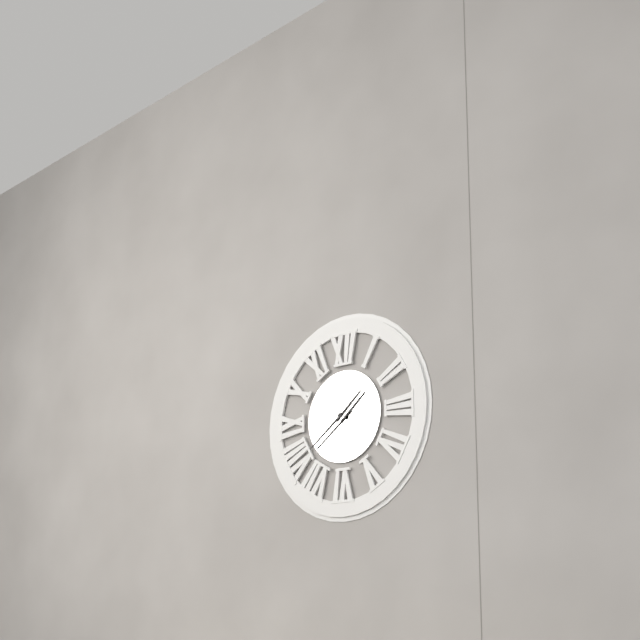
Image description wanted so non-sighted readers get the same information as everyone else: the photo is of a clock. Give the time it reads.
1:39
